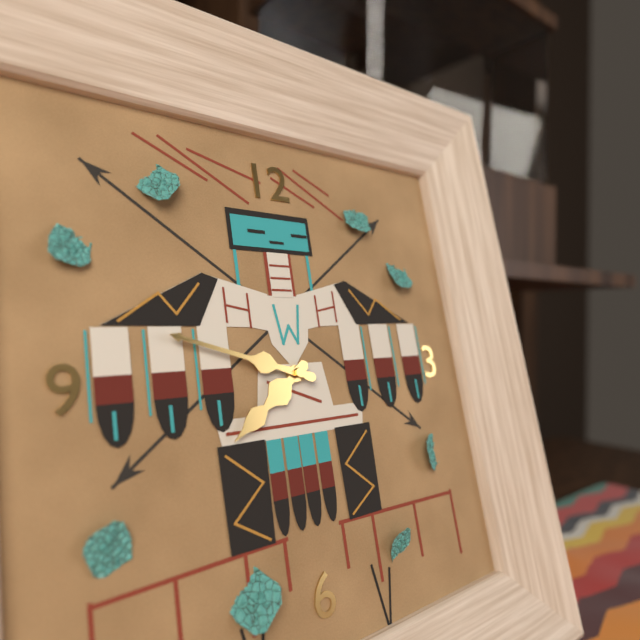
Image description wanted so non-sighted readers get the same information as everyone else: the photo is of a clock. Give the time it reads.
7:48
